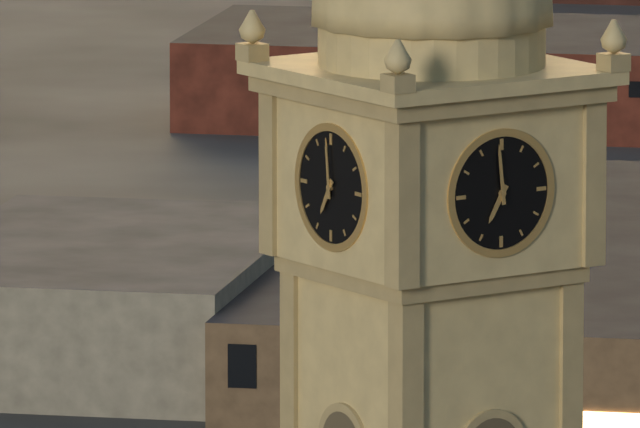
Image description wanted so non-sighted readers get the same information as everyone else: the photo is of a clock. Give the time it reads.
6:59
